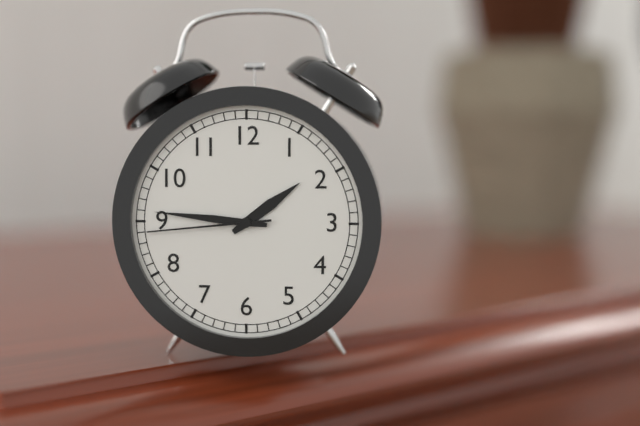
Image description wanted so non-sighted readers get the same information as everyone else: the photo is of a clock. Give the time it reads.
1:46:44
